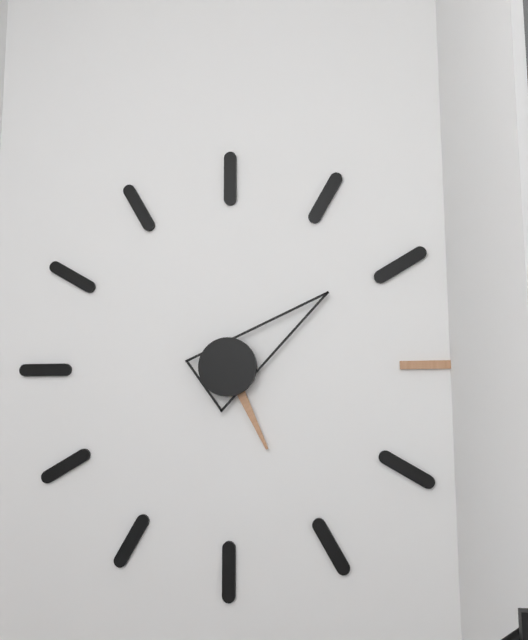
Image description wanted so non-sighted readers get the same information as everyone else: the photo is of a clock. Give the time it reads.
5:09
